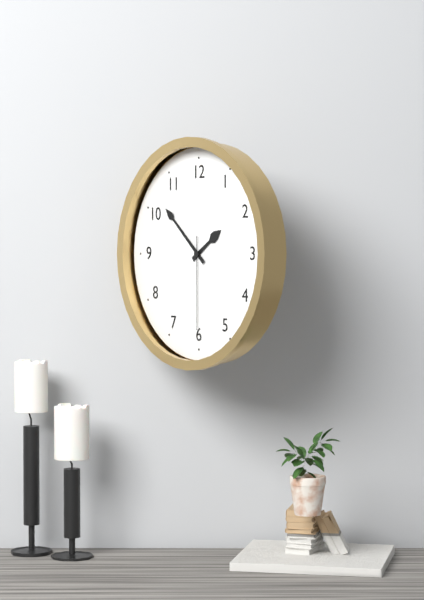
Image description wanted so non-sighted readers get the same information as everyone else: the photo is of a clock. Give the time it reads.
1:52:30
